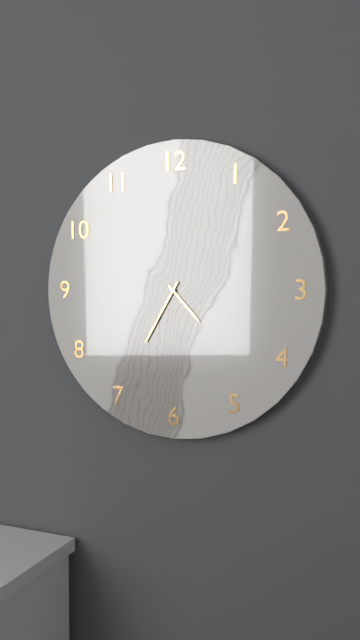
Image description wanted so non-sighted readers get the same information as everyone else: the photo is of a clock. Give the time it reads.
4:35
